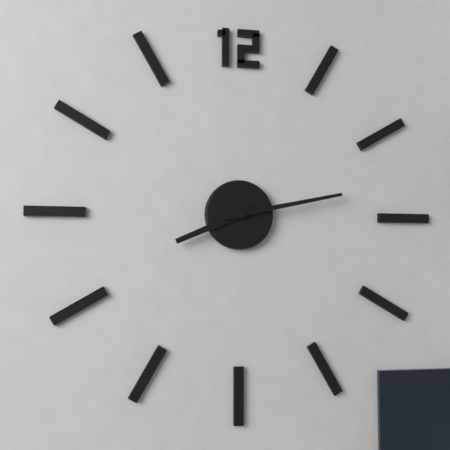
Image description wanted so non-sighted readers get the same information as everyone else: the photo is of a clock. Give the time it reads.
8:13
